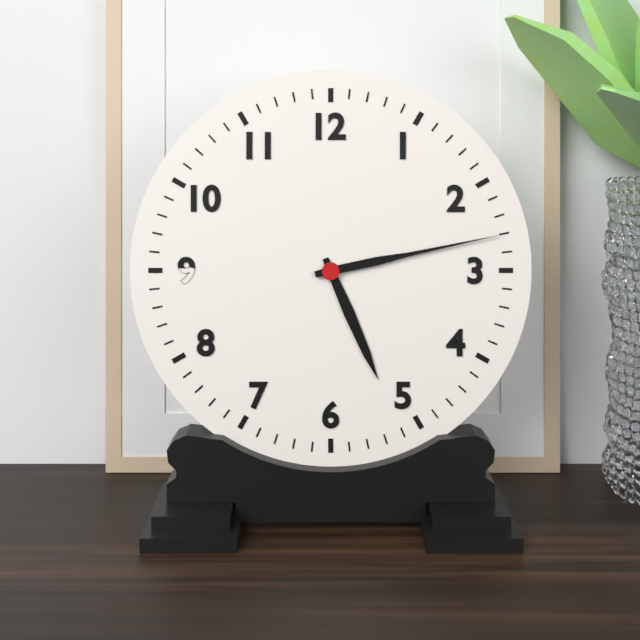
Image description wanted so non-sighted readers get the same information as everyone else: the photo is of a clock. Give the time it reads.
5:13
